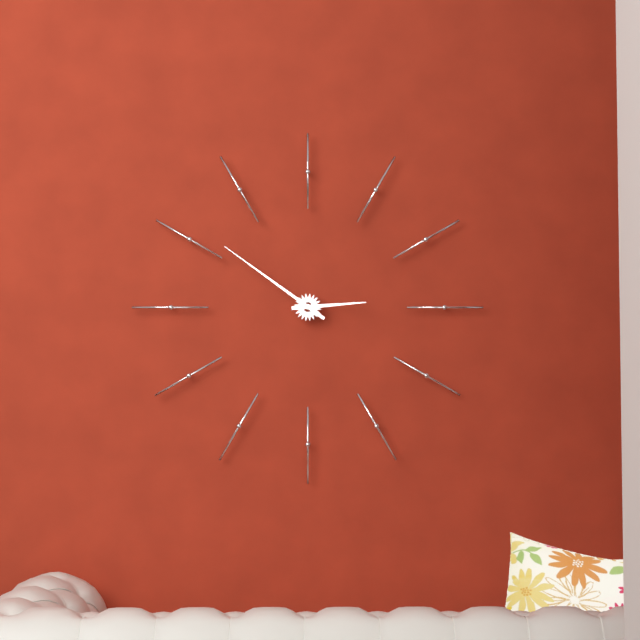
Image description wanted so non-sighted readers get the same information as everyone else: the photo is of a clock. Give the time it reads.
2:51
